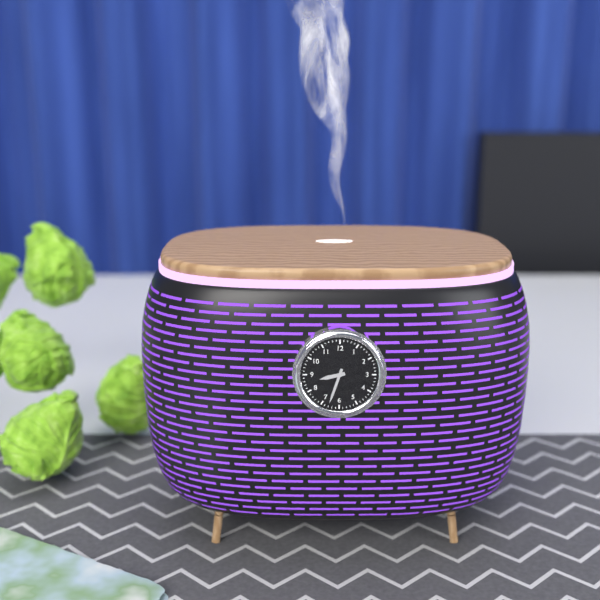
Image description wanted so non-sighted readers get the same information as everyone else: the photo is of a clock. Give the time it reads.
8:33
